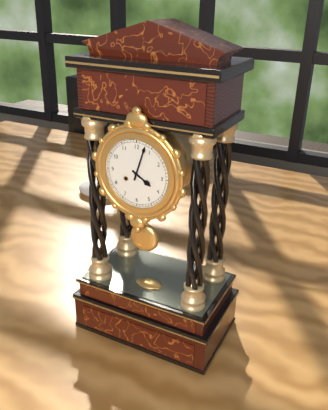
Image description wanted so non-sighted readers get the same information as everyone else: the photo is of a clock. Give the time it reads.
4:03
